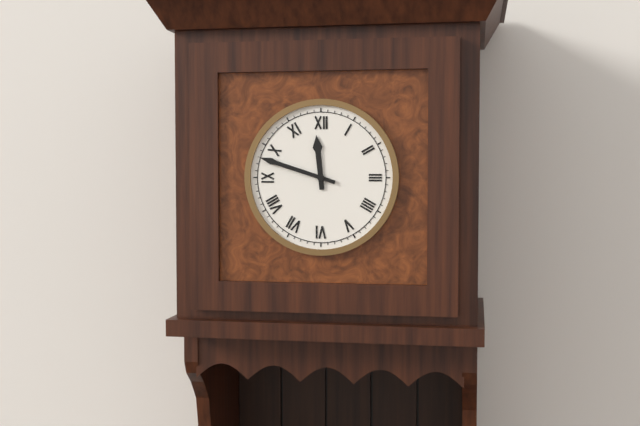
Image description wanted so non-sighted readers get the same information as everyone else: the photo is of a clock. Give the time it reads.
11:48
